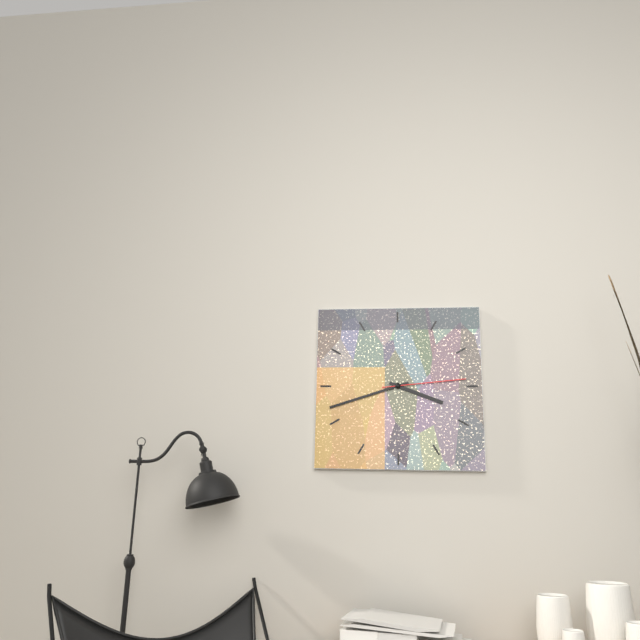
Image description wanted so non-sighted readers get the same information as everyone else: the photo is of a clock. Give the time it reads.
3:42:14
